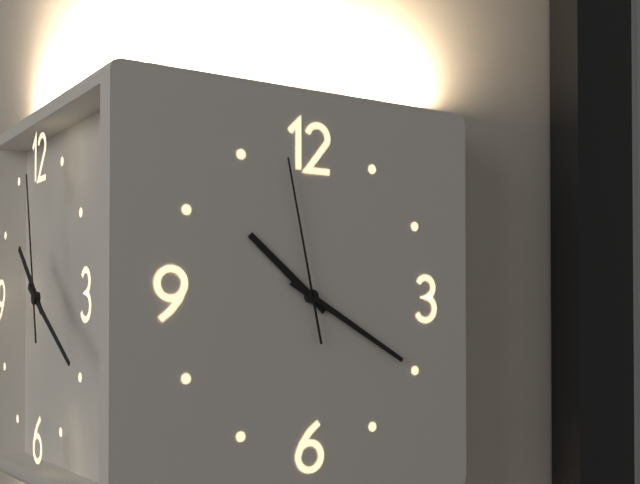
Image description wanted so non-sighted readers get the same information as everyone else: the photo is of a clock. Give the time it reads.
10:20:58
